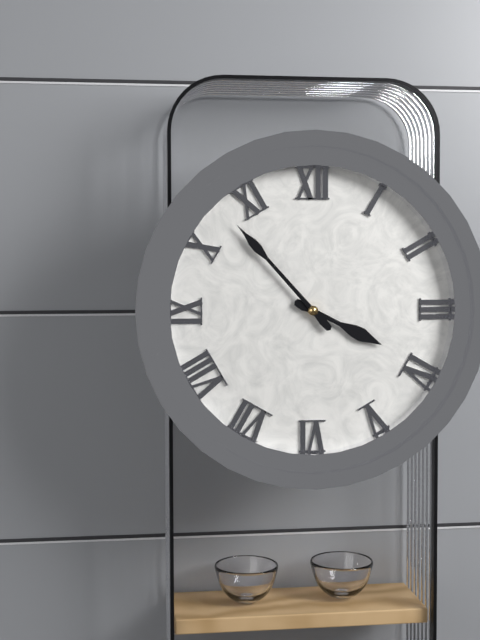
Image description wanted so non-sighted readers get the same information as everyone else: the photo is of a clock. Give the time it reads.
3:53
